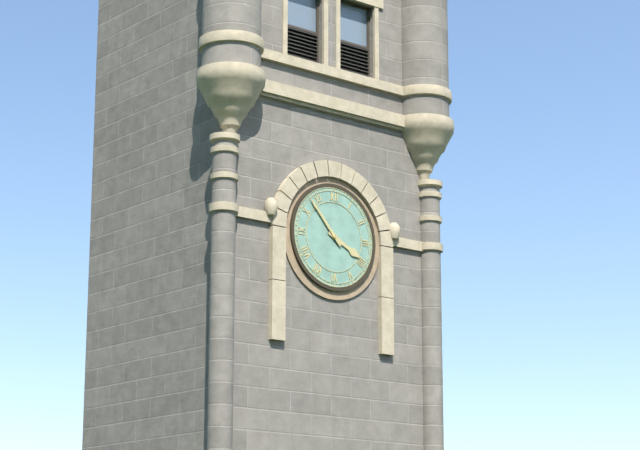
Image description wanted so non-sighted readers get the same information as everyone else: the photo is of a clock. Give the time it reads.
3:53
